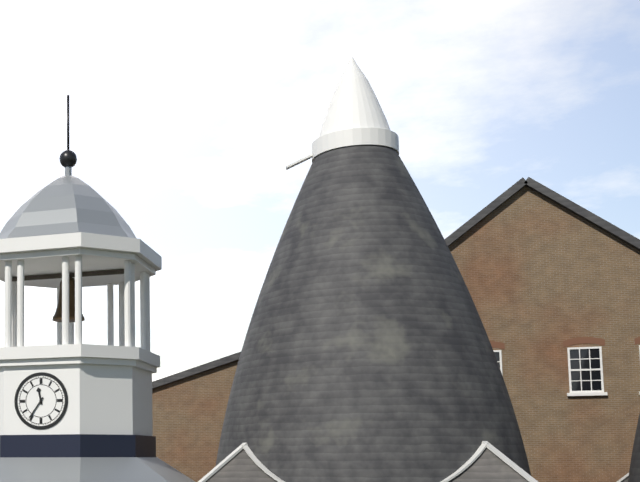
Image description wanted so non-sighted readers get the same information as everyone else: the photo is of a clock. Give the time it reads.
11:36
